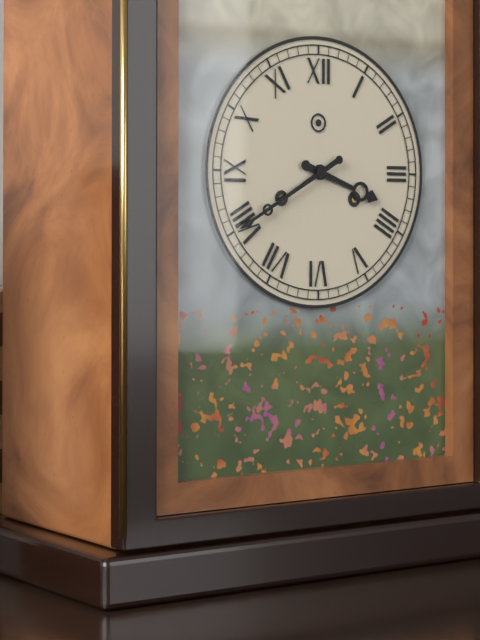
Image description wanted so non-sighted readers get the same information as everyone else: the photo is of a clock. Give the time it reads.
3:40
